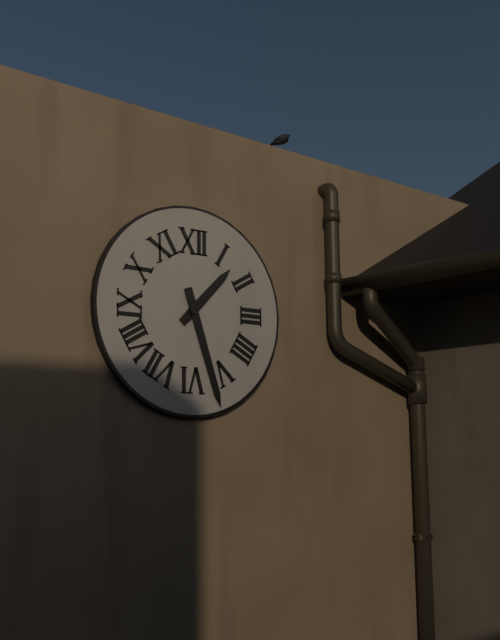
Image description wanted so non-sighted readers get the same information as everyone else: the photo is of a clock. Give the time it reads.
1:27
